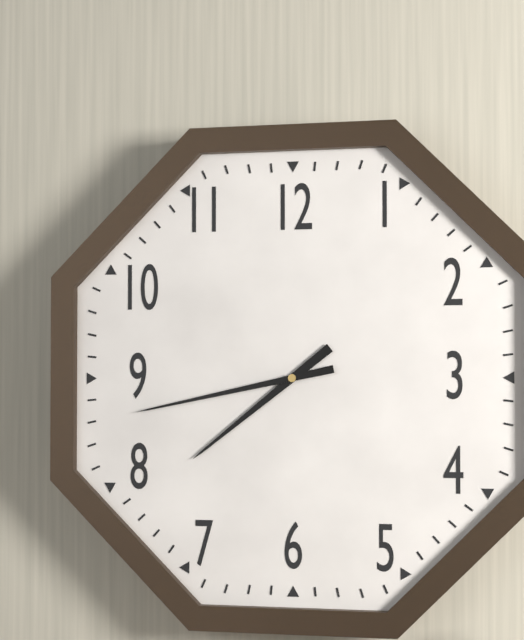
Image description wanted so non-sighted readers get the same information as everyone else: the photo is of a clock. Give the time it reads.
7:43
